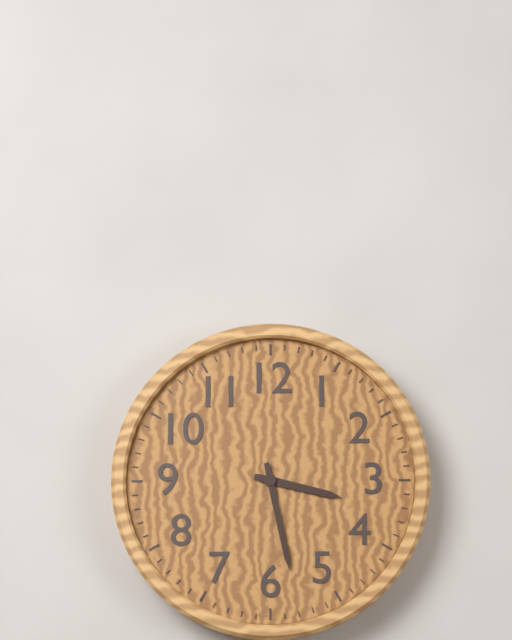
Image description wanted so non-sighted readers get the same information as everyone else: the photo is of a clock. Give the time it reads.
3:28
